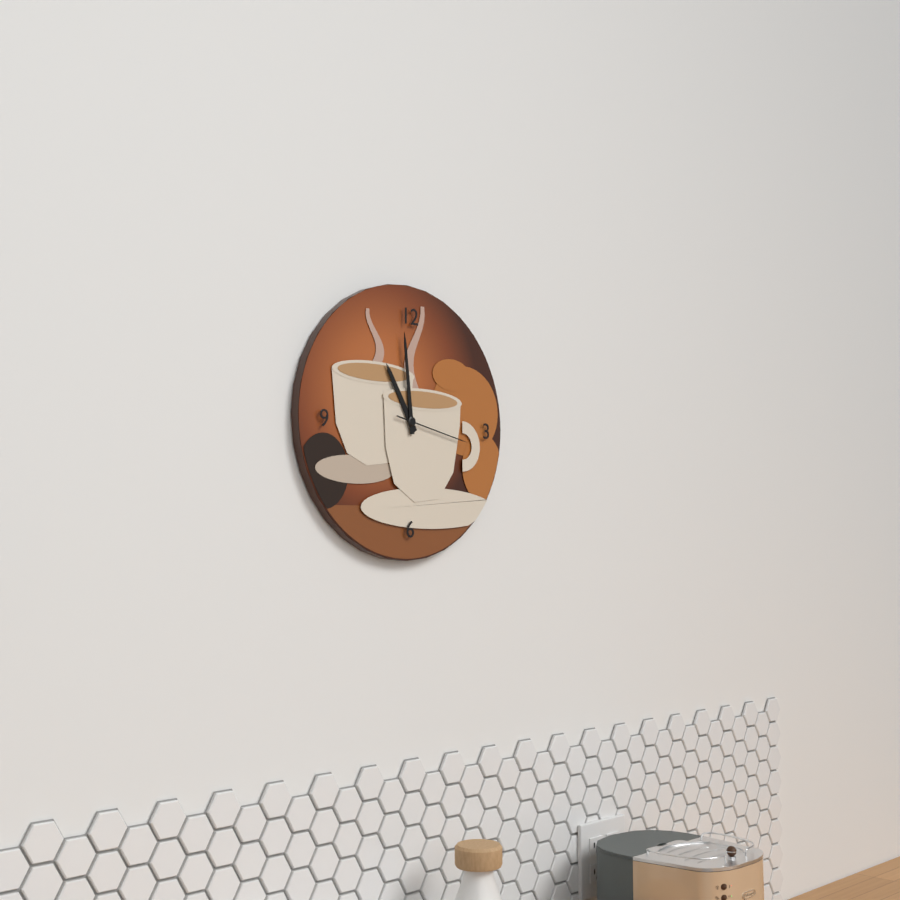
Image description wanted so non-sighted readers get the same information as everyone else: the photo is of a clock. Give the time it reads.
10:59:17
